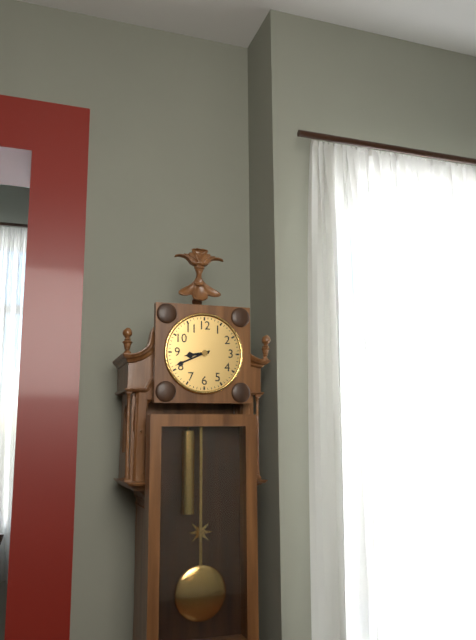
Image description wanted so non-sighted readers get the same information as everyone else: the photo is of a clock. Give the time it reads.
8:41
